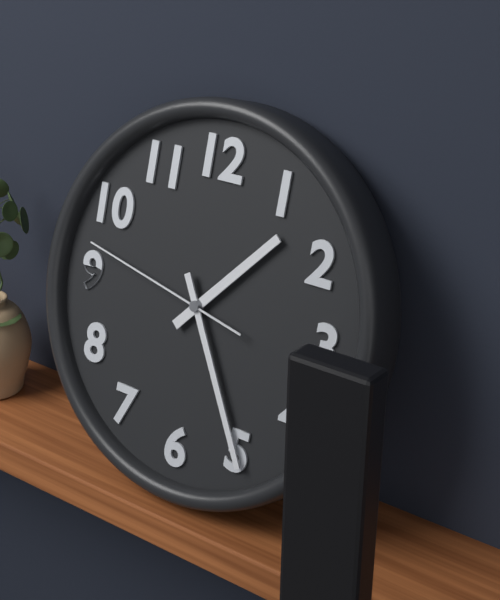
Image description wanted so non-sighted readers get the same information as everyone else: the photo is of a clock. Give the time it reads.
1:25:47
